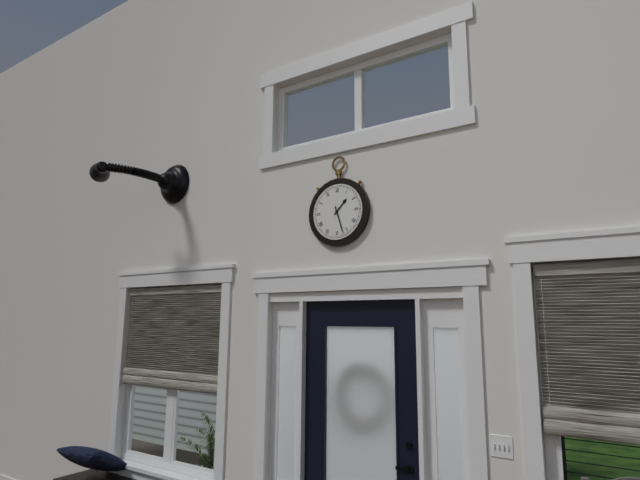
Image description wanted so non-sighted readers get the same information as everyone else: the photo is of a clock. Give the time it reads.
1:27
